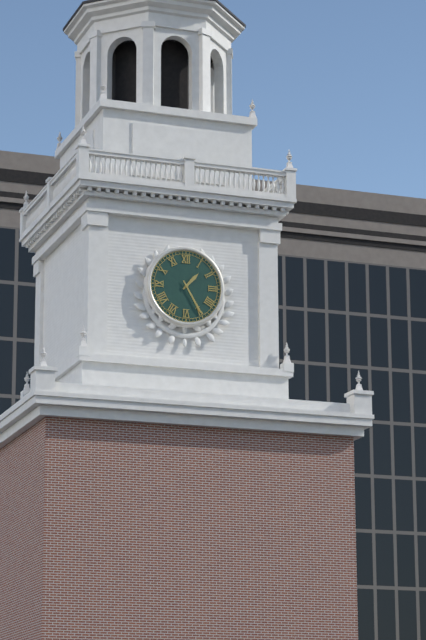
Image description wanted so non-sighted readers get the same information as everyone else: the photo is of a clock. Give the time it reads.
1:25
